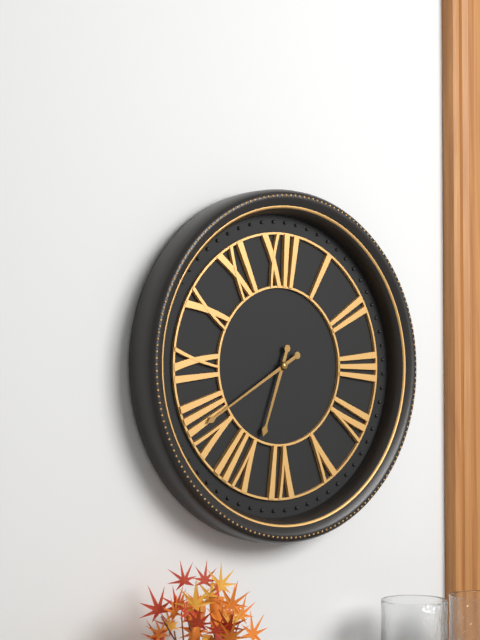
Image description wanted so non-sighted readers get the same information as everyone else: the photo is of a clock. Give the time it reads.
6:40
